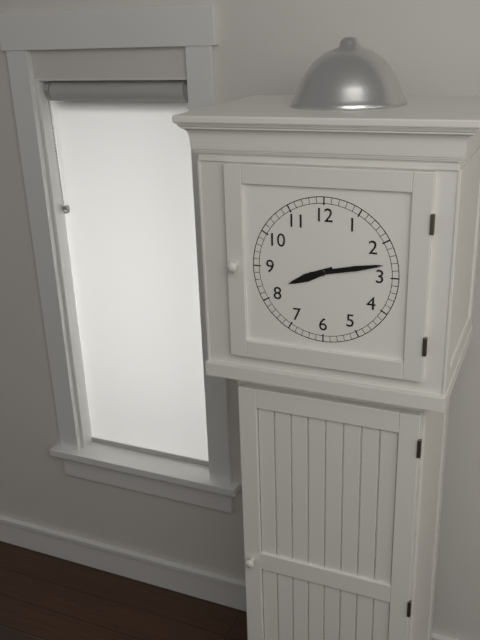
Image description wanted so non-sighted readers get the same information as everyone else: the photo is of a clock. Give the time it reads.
8:13
